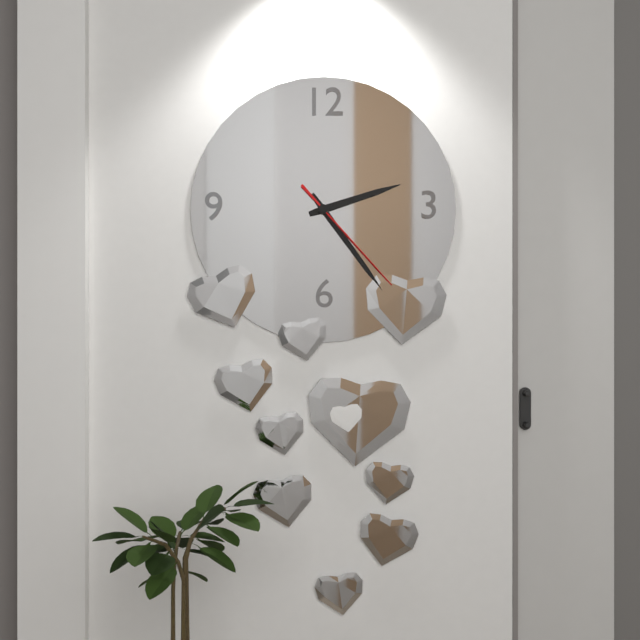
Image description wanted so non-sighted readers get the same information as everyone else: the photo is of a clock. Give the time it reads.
2:24:23
